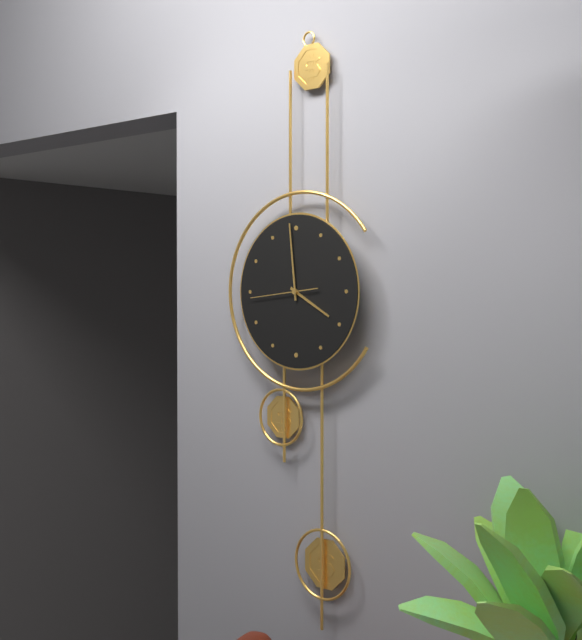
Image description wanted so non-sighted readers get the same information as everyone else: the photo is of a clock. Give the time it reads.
3:59:44
